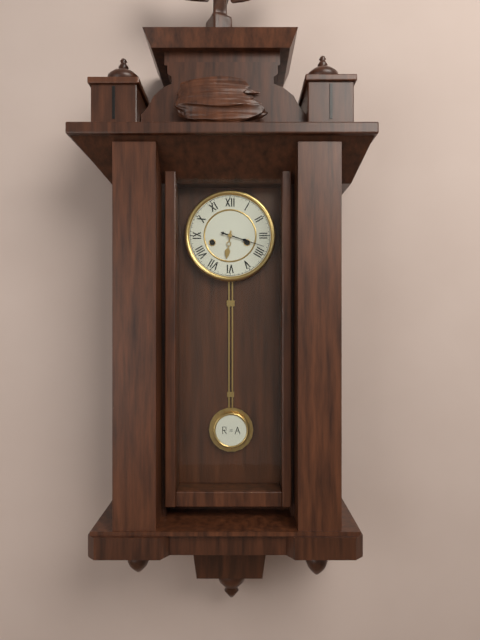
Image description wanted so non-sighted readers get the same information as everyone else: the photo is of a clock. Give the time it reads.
6:18
